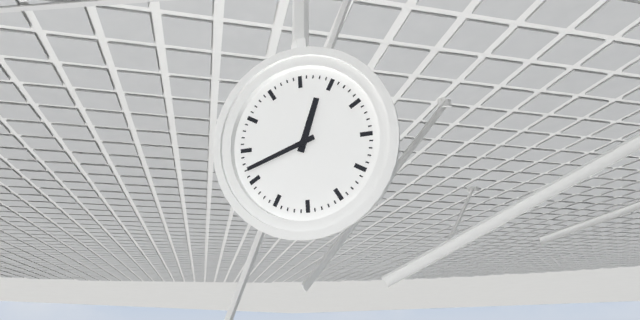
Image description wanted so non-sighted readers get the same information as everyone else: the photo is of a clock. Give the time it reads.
12:42
